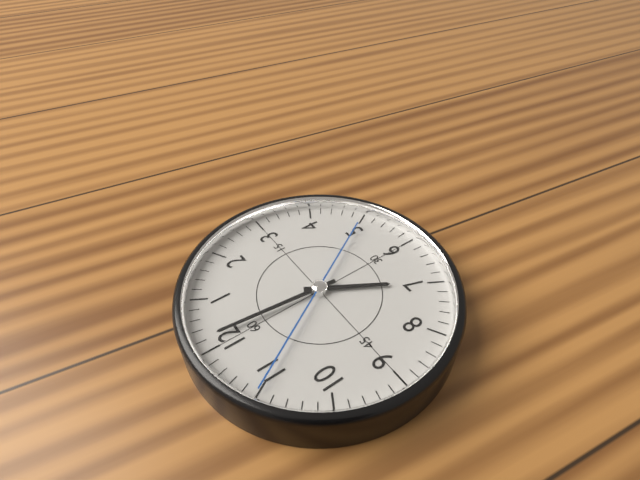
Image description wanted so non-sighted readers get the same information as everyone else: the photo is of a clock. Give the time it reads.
7:01:55
